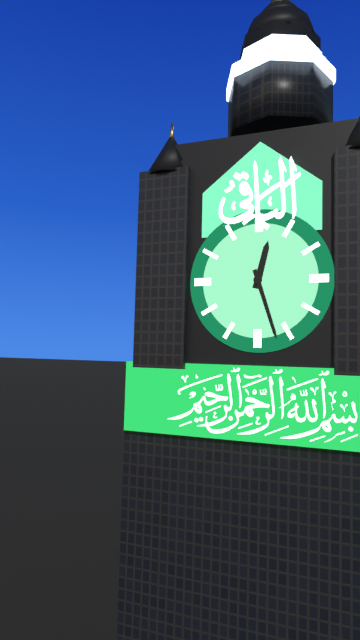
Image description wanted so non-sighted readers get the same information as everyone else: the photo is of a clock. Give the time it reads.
12:27
